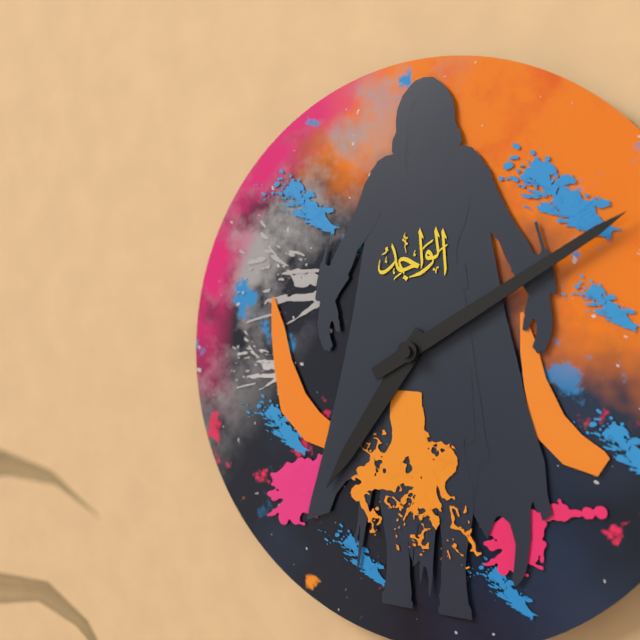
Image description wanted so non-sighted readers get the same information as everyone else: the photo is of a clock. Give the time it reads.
7:10
